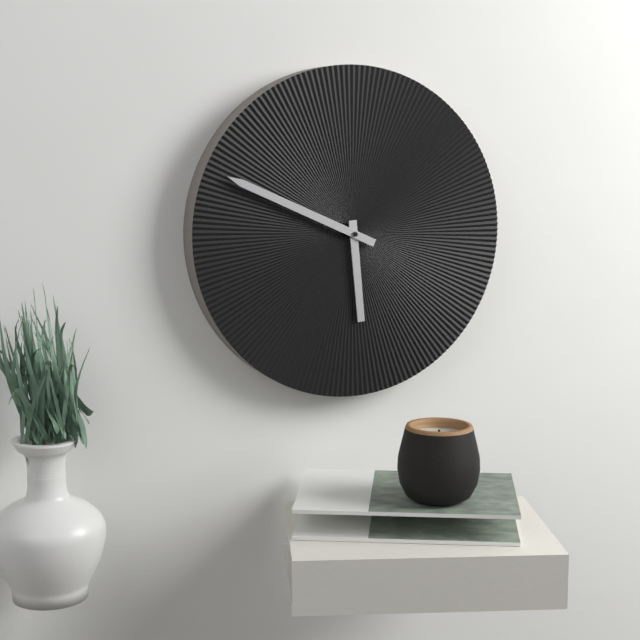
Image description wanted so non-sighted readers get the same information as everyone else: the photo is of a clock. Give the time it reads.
5:49
